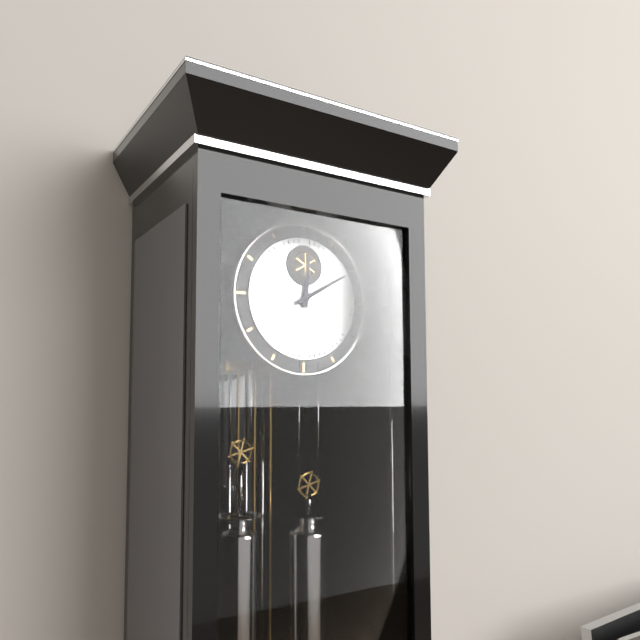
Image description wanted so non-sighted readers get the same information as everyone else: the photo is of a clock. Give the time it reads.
12:10
